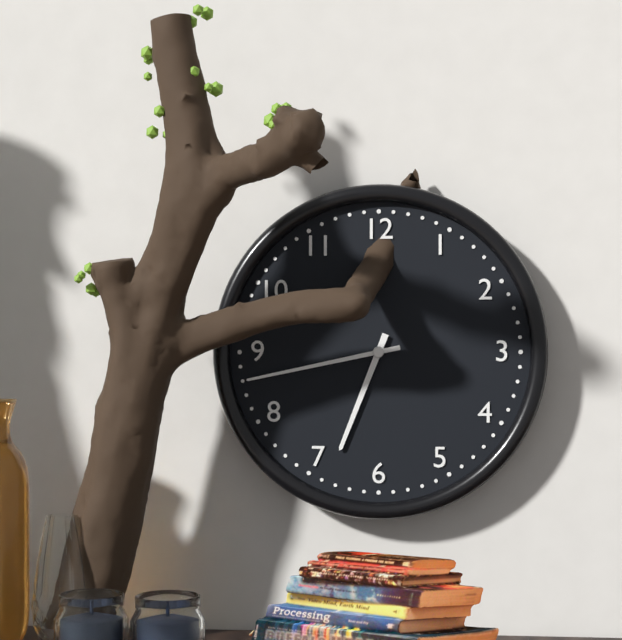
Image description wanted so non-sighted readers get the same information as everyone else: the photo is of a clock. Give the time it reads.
6:43
